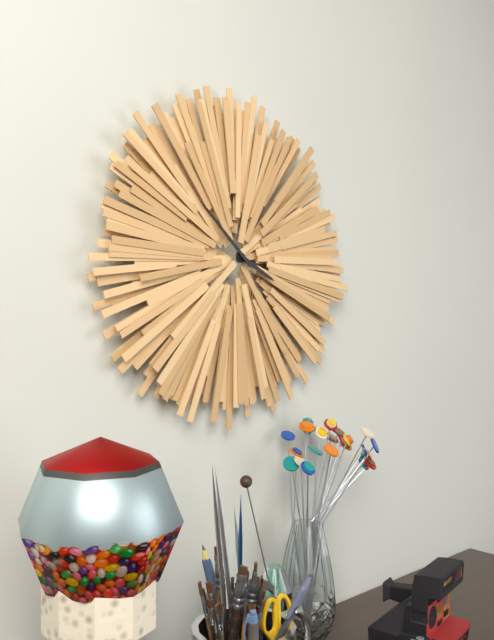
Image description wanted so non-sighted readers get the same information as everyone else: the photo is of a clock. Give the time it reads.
3:52
